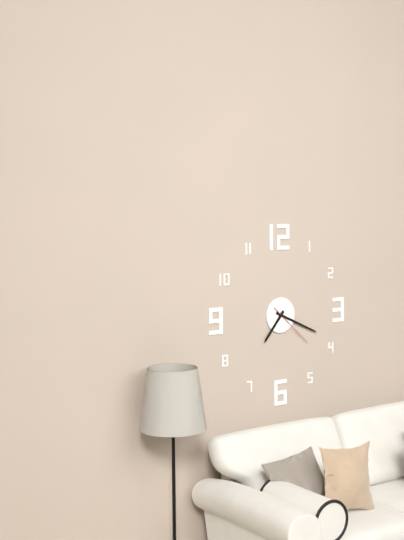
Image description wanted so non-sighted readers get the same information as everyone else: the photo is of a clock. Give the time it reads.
7:19
